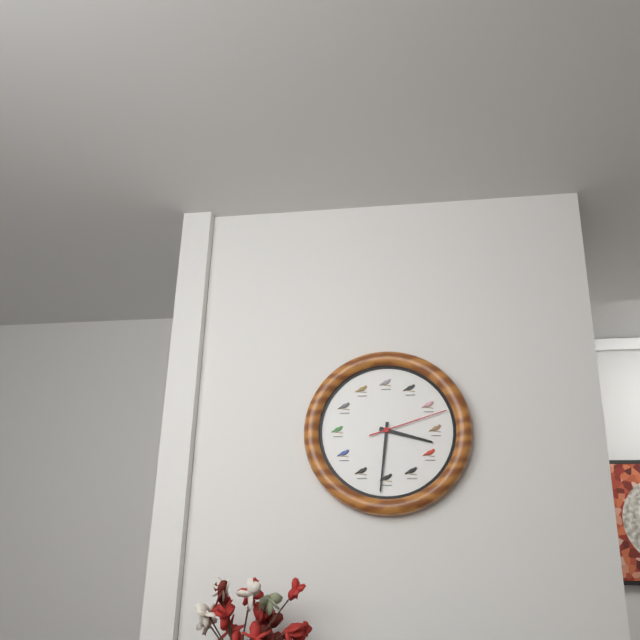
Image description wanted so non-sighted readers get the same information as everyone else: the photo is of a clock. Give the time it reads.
3:31:12
